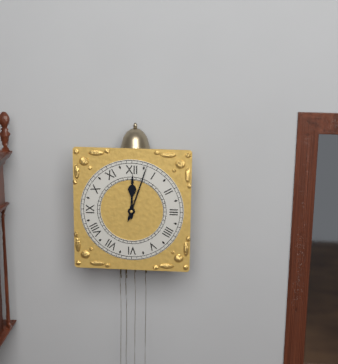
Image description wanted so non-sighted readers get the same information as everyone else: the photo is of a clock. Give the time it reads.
12:03
